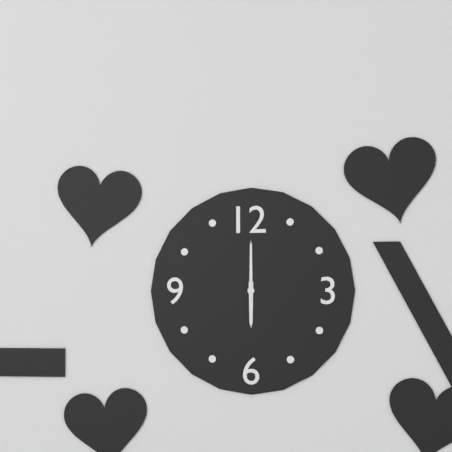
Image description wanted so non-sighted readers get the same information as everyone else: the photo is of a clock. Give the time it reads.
6:00
